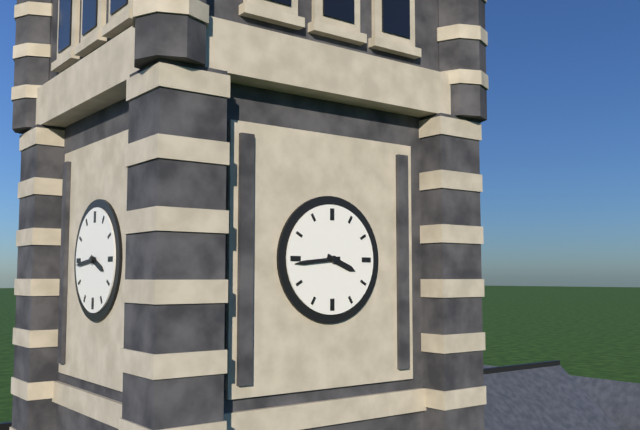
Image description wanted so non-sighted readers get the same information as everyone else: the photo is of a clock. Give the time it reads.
3:44
